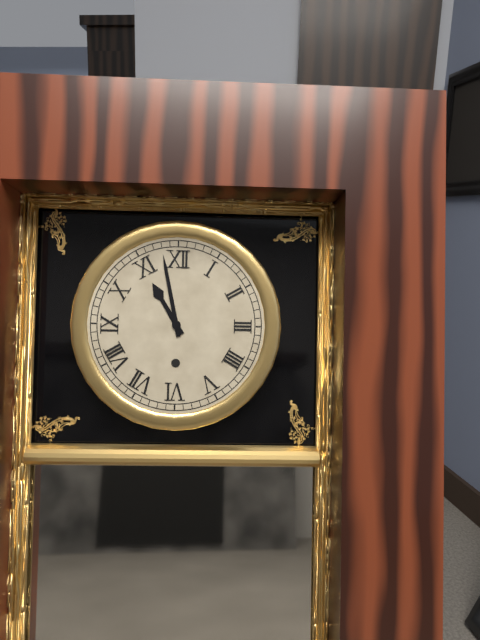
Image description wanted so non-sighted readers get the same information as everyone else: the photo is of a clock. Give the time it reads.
10:58
